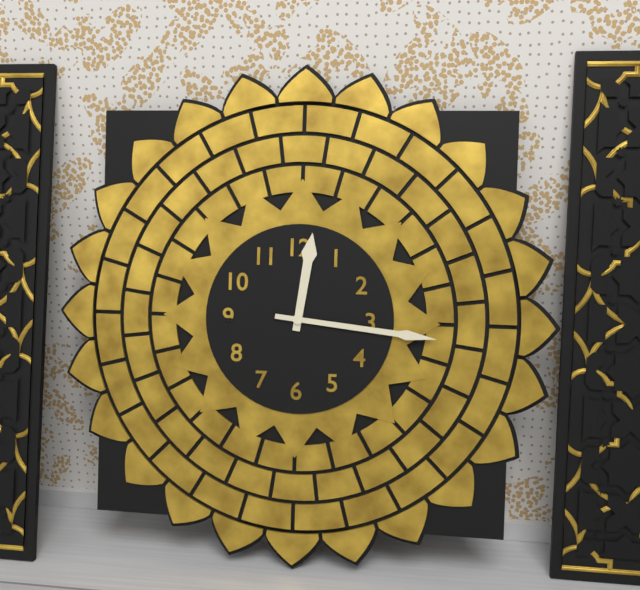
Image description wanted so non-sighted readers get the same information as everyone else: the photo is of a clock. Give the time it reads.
12:16
